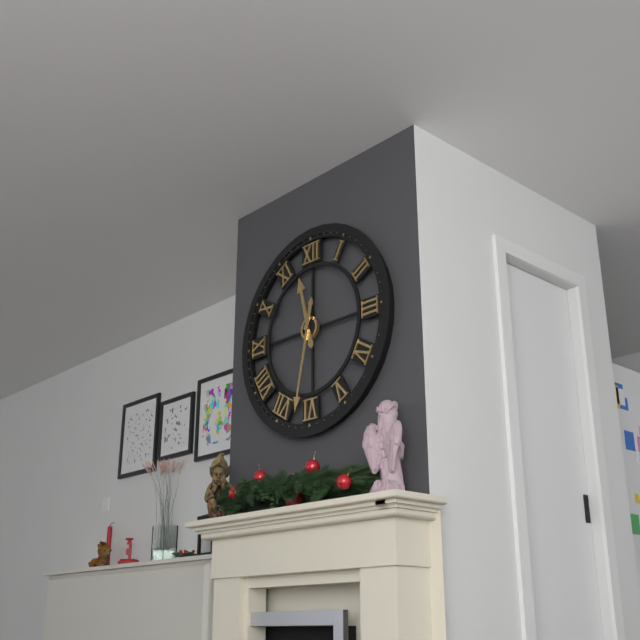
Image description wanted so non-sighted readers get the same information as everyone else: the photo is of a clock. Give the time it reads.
11:32
